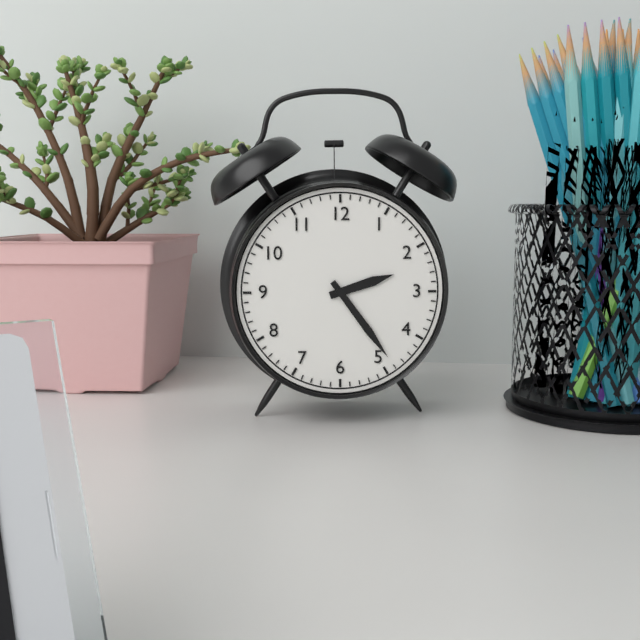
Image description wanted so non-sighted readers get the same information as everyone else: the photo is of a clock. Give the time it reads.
2:24
